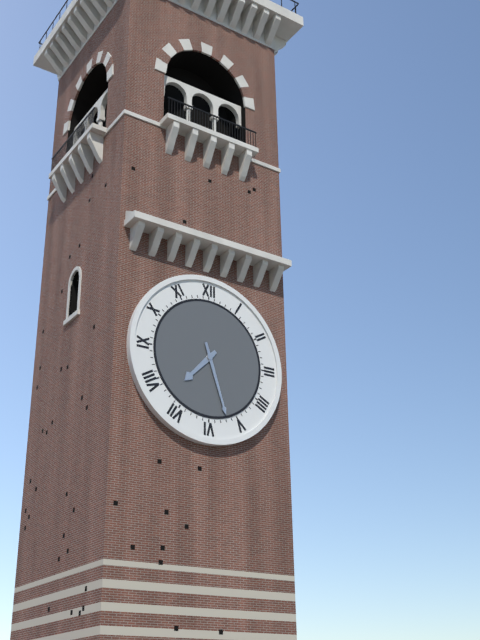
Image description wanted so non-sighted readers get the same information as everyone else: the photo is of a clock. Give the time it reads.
7:27
